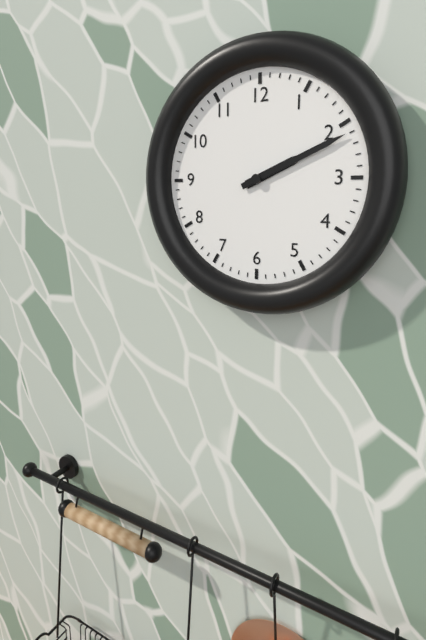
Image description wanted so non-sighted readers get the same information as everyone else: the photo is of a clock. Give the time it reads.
2:11
